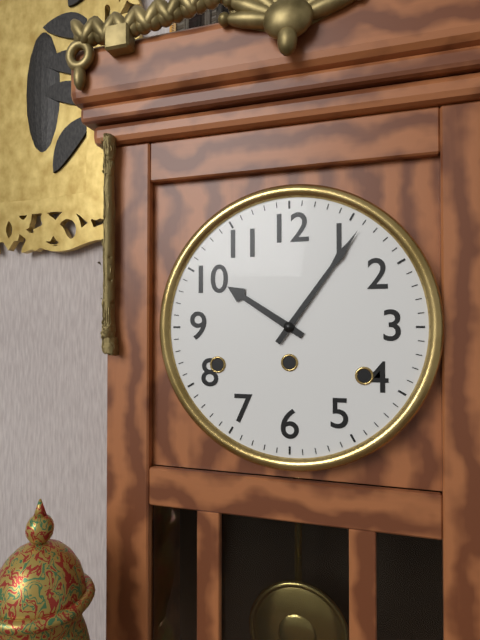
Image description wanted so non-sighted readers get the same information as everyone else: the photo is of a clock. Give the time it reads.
10:06
